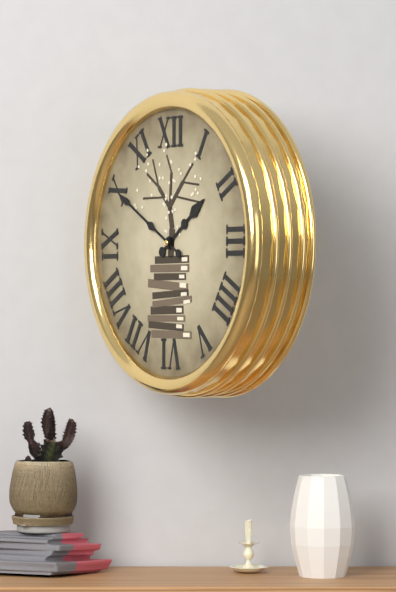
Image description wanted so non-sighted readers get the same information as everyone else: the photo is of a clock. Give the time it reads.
1:50
